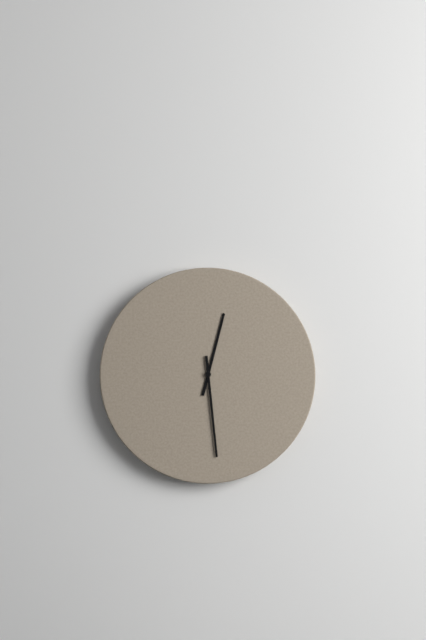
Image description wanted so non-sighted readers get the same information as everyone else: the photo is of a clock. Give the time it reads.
12:29
